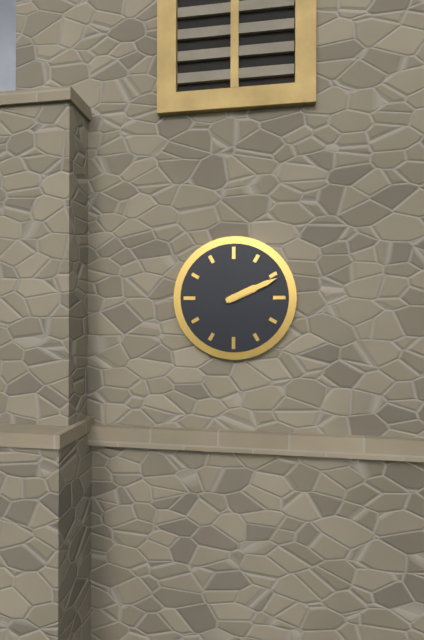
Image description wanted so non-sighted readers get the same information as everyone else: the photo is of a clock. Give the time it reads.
2:11
